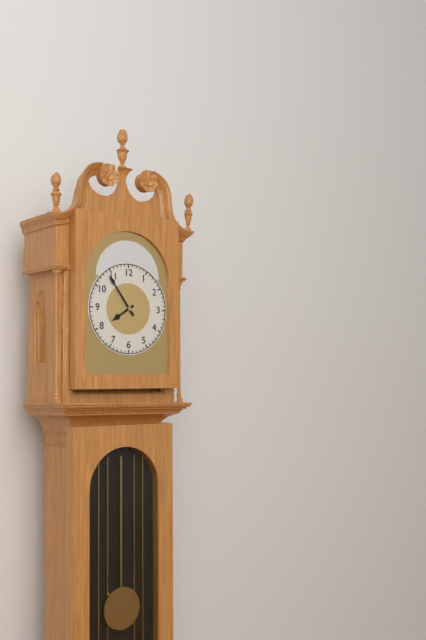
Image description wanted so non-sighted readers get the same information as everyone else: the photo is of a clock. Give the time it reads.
7:54
